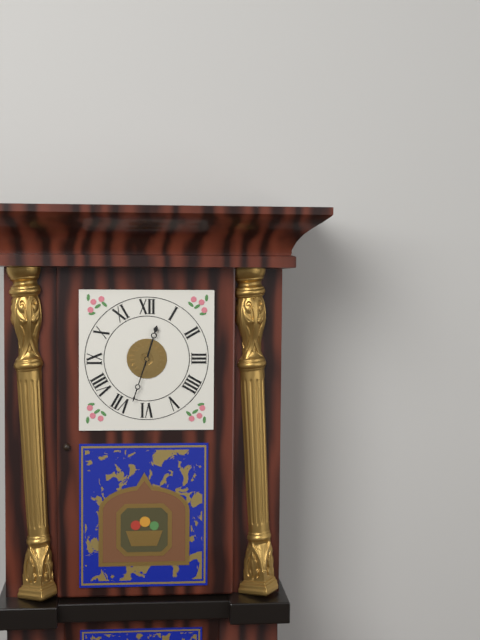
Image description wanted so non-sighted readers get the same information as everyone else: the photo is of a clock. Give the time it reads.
12:33
